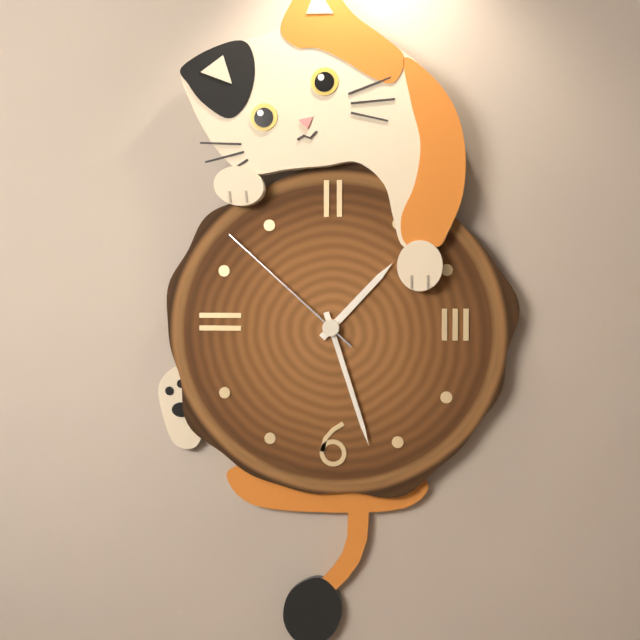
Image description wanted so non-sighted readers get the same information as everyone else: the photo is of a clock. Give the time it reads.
1:27:52
